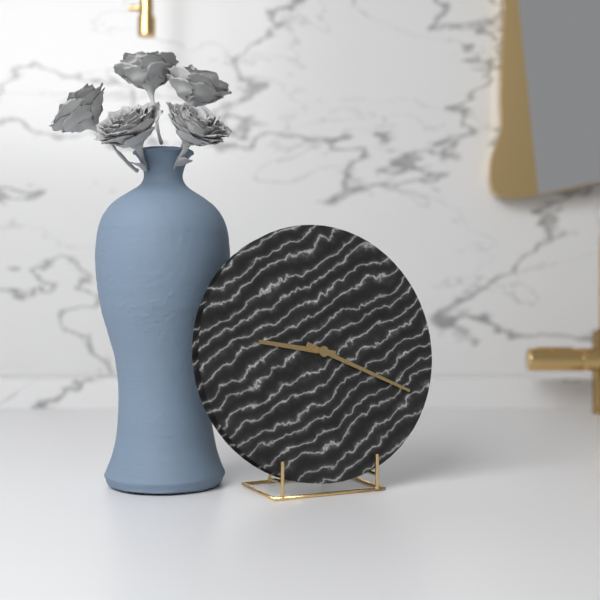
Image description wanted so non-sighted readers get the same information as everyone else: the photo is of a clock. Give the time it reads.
9:19
